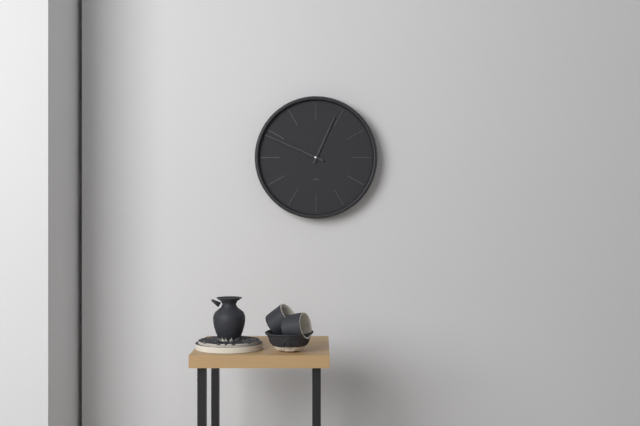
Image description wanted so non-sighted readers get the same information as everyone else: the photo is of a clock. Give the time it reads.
12:49
